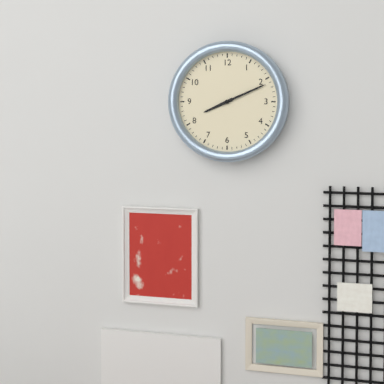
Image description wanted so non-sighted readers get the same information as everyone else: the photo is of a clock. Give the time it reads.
8:11
